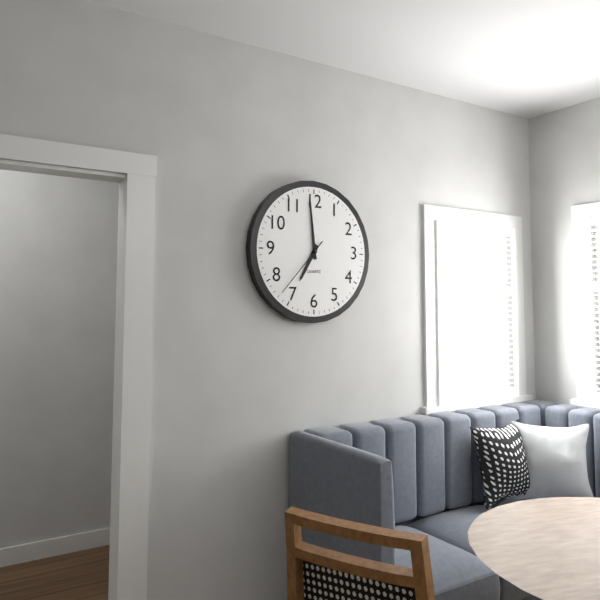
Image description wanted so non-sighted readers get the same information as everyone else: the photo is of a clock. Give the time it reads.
6:59:37
